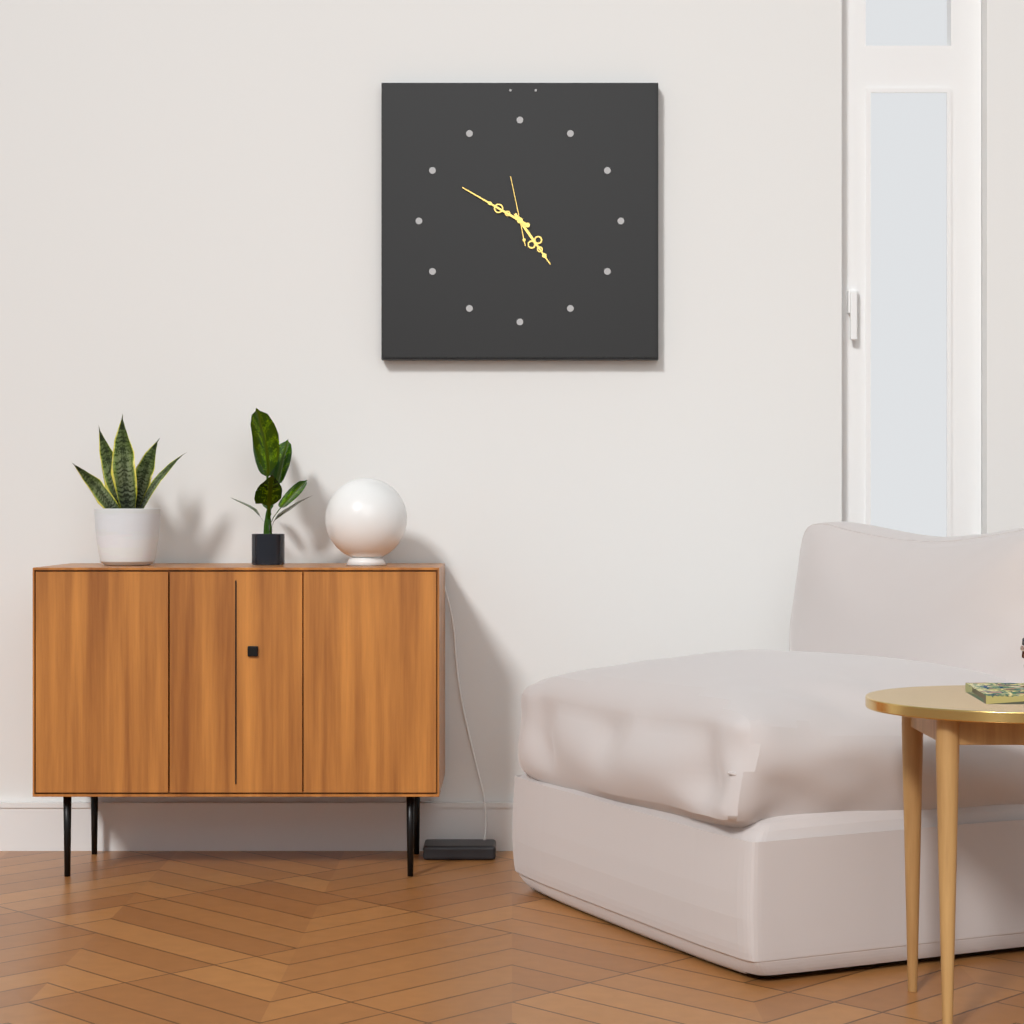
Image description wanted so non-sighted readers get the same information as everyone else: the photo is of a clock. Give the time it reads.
4:50:58
